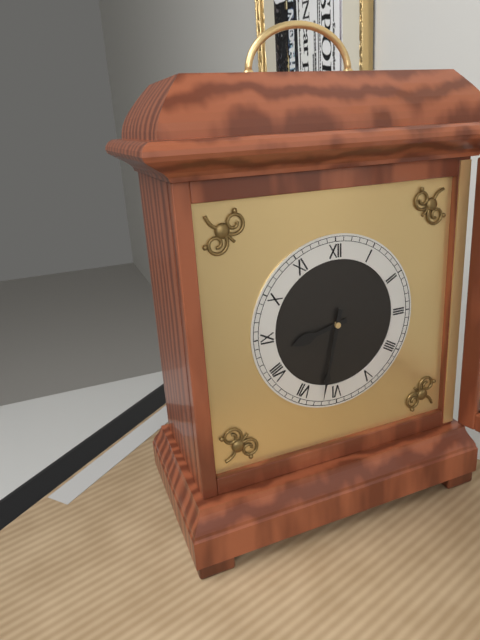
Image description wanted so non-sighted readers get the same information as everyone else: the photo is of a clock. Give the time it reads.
8:32
